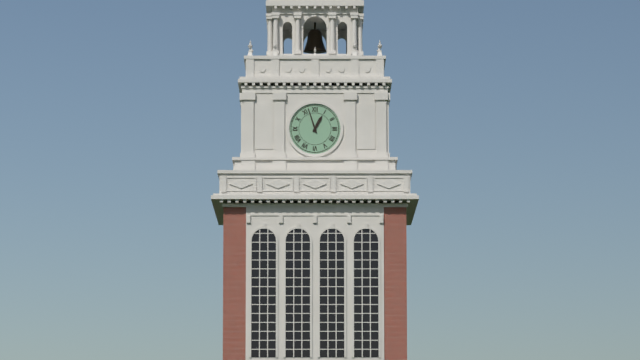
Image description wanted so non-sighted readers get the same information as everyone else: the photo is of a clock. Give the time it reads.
12:57
